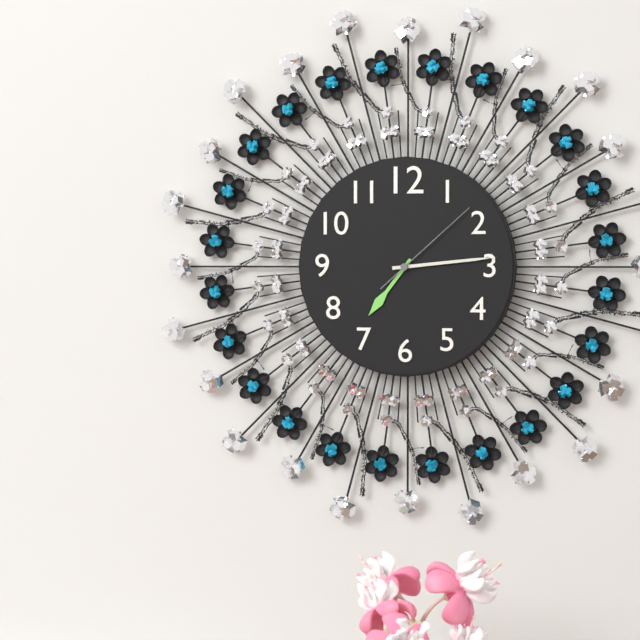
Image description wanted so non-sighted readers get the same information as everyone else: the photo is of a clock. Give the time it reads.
7:14:08
